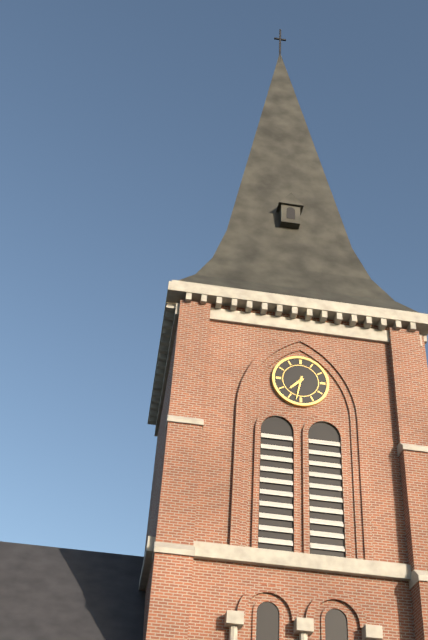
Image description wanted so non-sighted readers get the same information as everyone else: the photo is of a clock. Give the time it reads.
7:32
